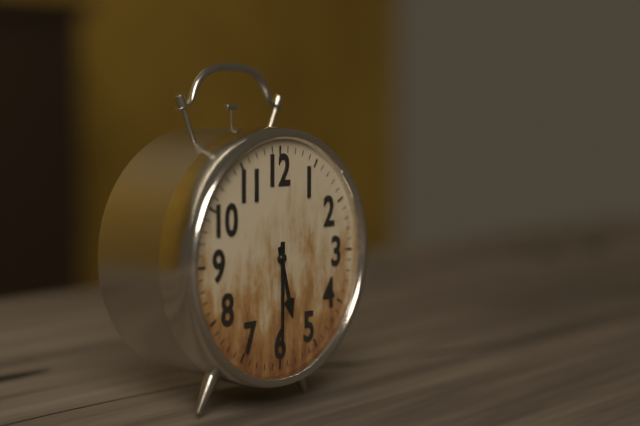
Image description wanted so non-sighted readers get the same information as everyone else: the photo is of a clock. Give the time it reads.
5:30
